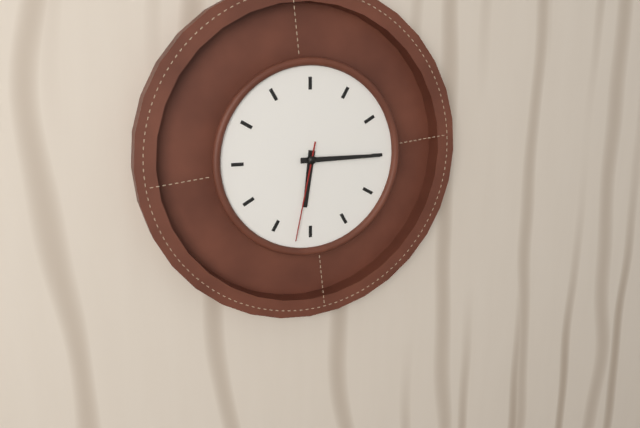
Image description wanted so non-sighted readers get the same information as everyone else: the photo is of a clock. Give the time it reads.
6:15:32
